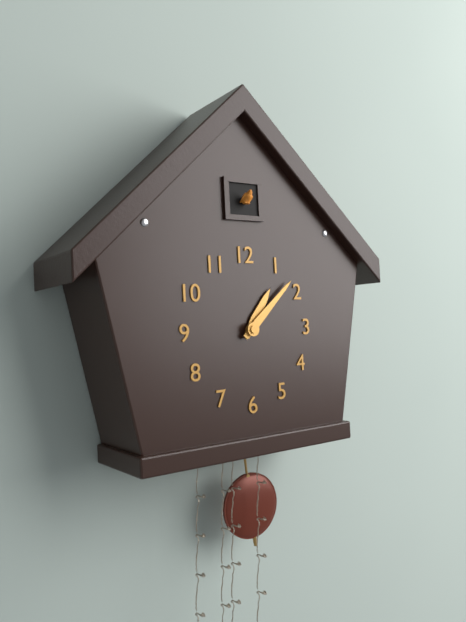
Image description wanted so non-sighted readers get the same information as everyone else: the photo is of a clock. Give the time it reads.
1:08
